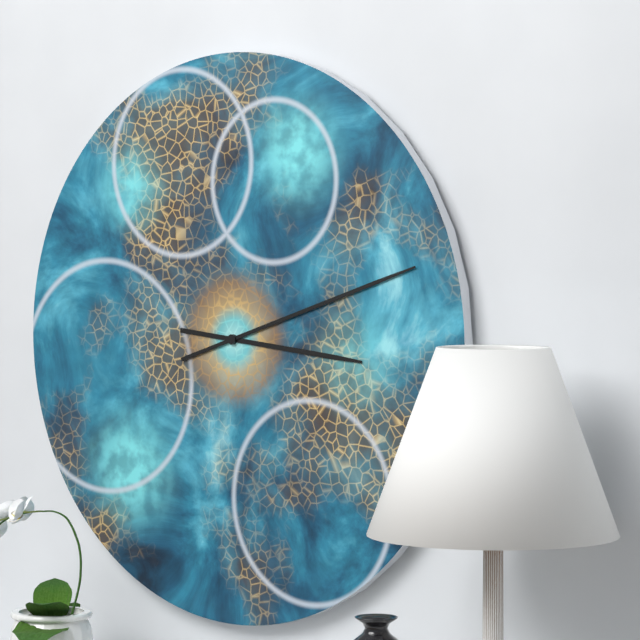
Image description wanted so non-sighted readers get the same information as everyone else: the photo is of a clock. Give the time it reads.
3:12
